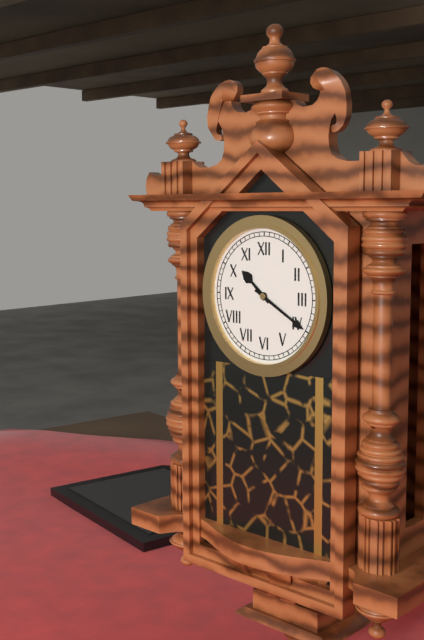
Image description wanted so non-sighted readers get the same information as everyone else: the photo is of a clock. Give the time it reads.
10:20
